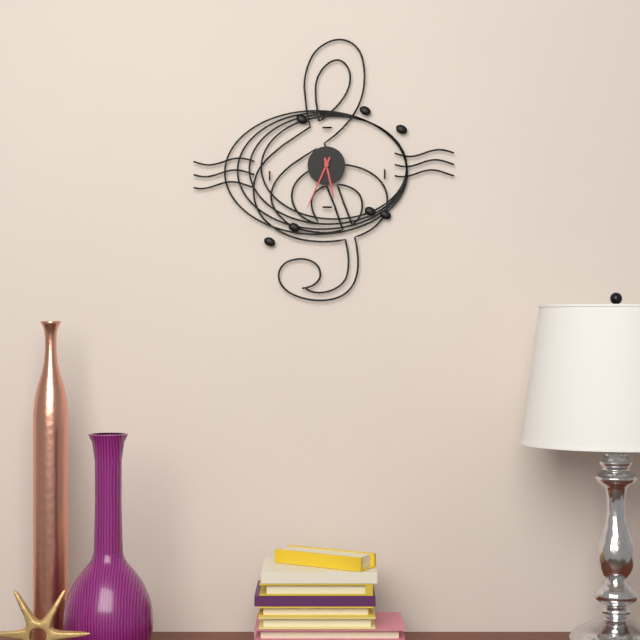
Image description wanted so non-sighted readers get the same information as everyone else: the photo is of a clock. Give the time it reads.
5:34
